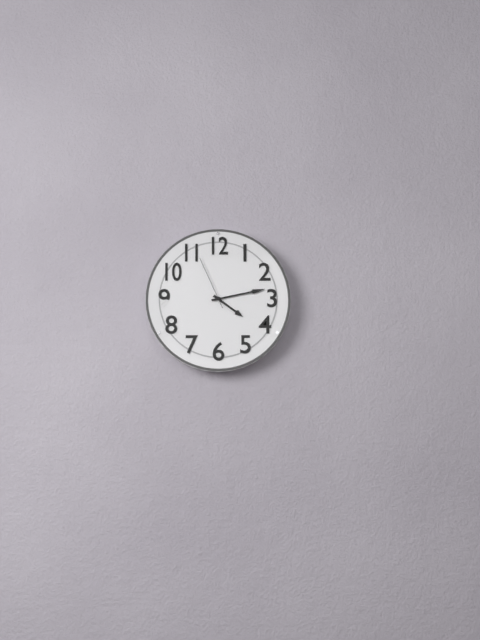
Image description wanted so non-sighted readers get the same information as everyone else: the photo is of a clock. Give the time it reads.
4:13:56
